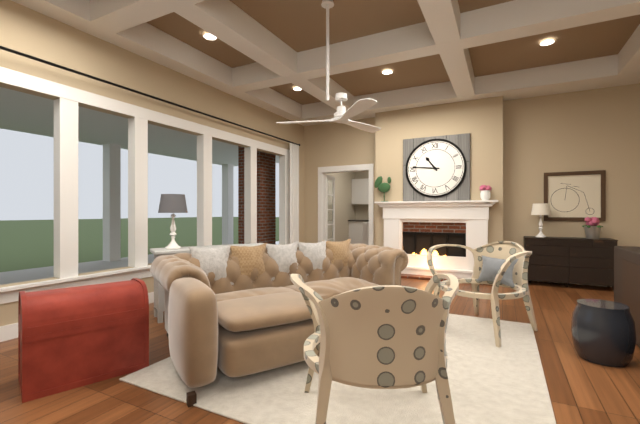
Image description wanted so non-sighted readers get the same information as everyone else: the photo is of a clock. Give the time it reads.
10:46
